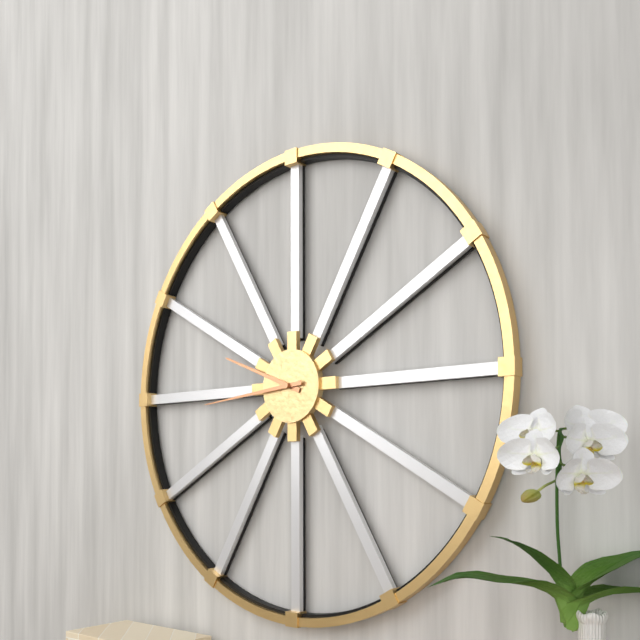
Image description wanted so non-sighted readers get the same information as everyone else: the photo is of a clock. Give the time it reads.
9:44
